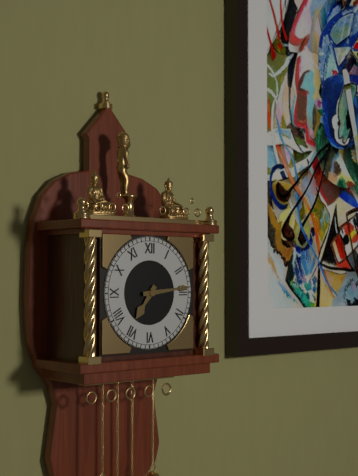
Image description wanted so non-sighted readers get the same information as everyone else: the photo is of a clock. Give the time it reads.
7:14
